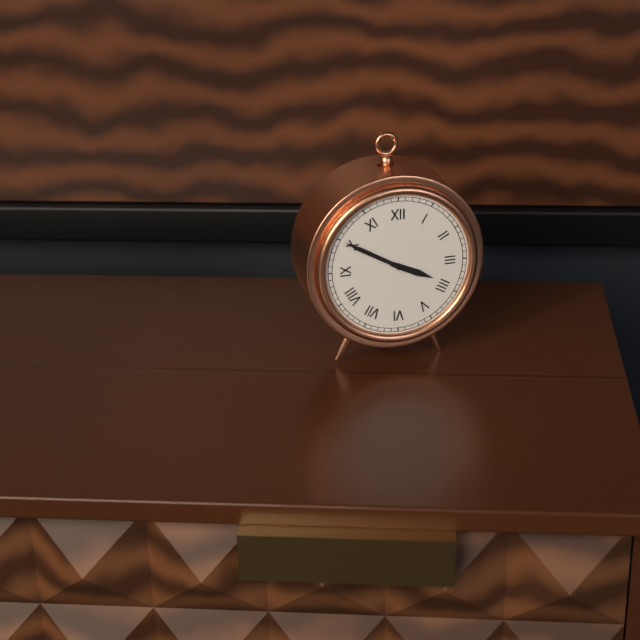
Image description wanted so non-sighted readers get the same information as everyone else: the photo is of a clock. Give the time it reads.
3:50
